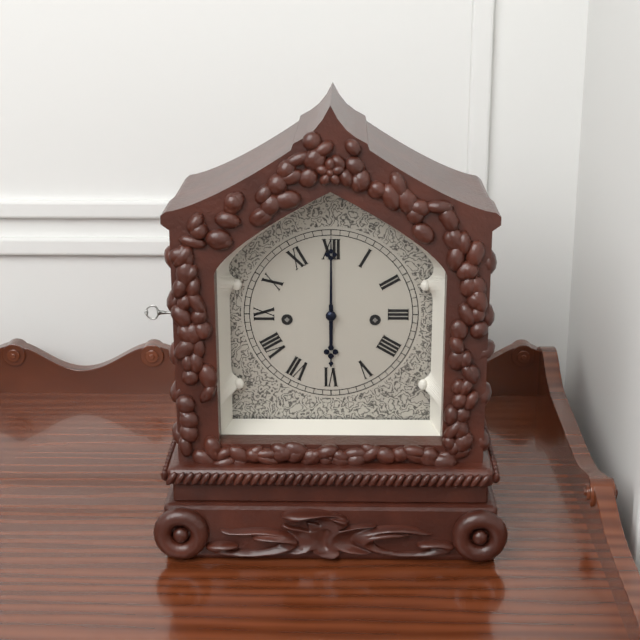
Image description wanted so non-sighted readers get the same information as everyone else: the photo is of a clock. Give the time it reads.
6:00
